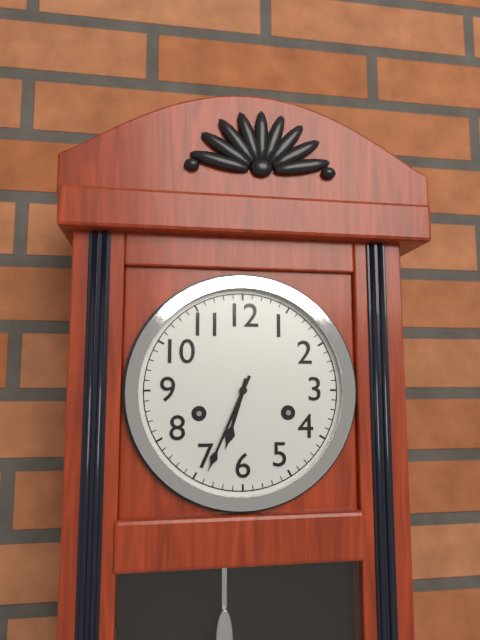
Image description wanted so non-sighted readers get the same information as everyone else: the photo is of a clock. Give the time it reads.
6:34
